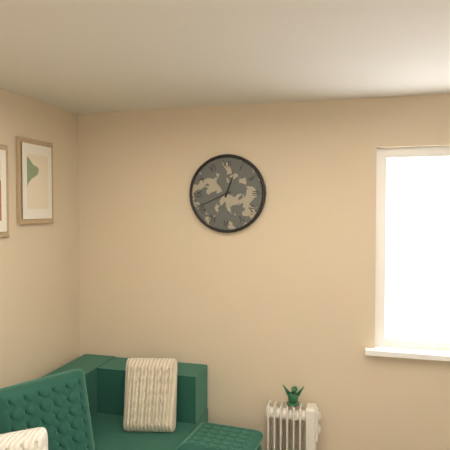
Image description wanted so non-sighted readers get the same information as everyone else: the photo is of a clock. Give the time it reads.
12:41
